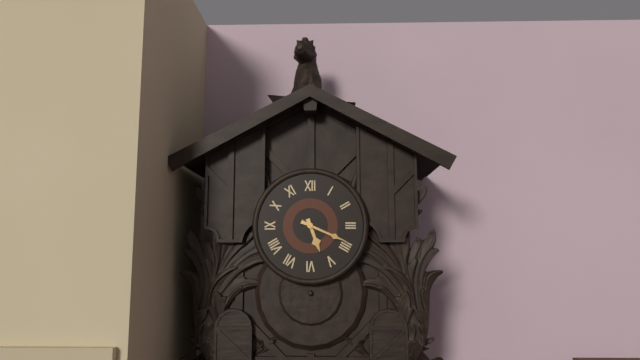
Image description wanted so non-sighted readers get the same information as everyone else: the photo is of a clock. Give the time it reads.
5:19
